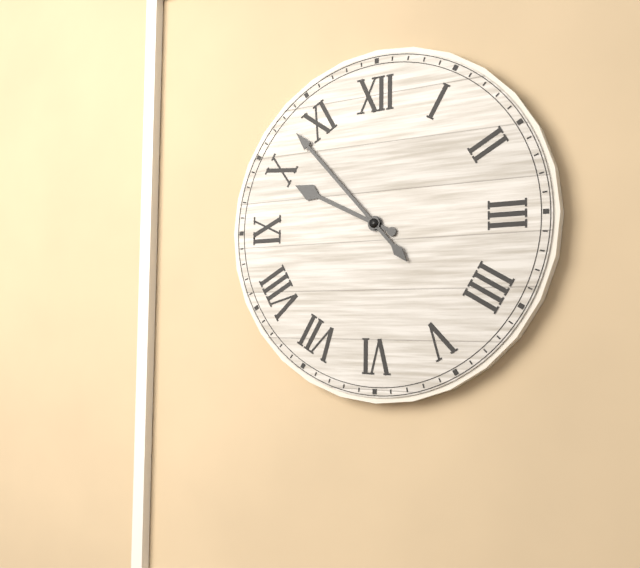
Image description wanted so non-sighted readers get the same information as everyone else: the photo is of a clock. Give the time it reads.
9:53
